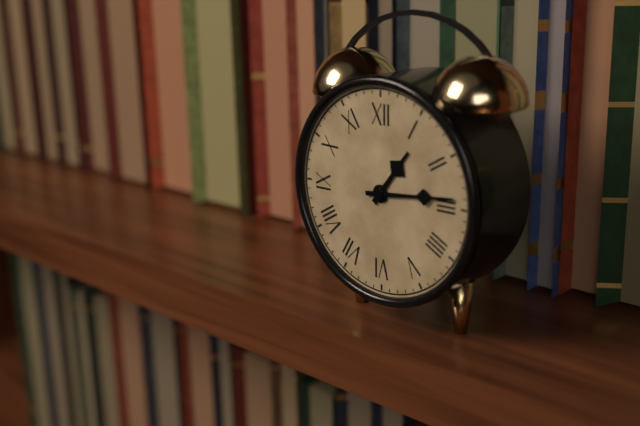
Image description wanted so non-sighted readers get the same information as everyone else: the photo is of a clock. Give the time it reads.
1:14
